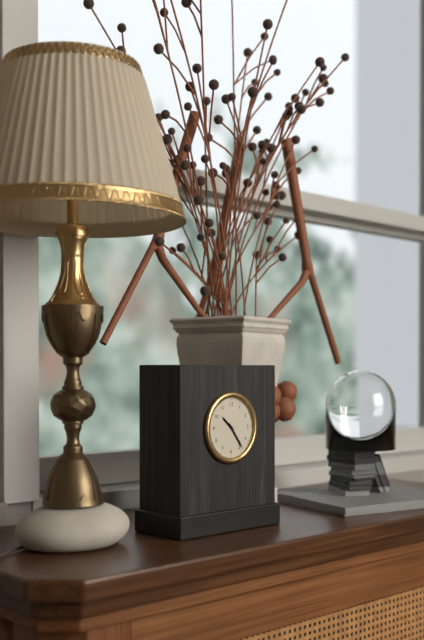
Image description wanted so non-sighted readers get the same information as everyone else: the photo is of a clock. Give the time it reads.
10:24
